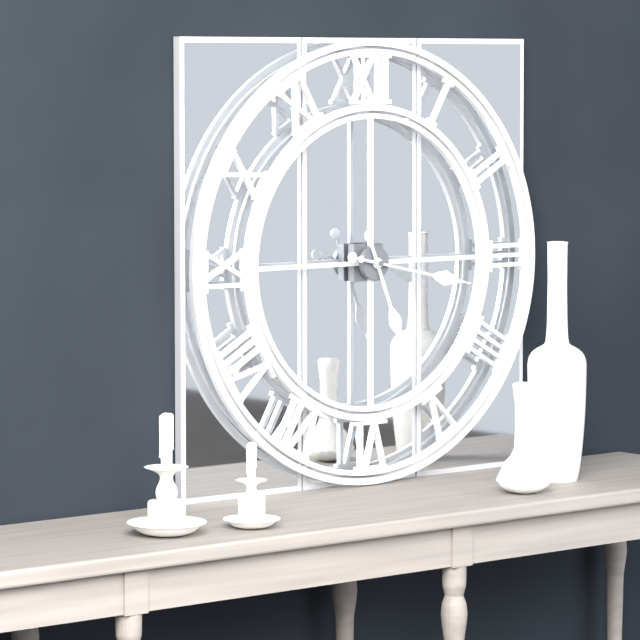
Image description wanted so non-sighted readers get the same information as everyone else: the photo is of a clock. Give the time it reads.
5:17:17
